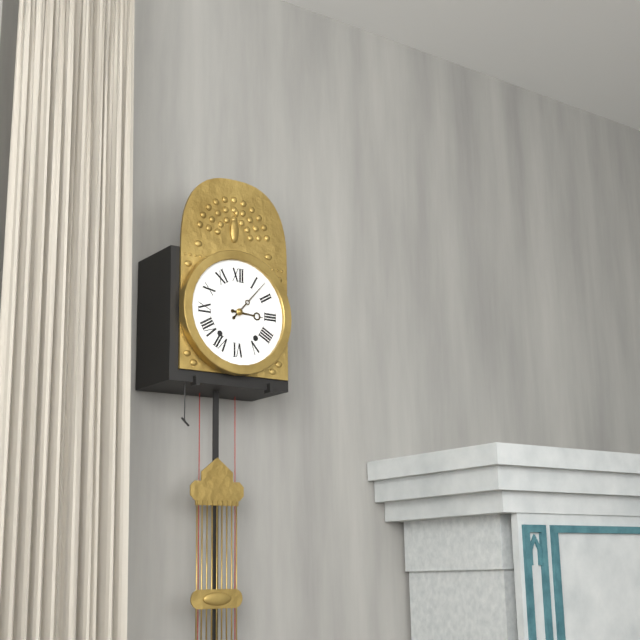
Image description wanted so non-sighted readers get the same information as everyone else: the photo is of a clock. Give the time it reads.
3:07
